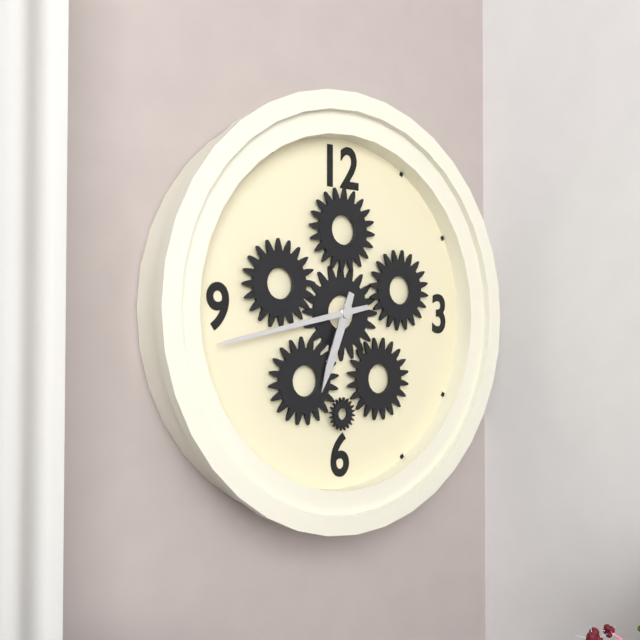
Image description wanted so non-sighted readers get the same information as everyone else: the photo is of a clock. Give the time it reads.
6:43
